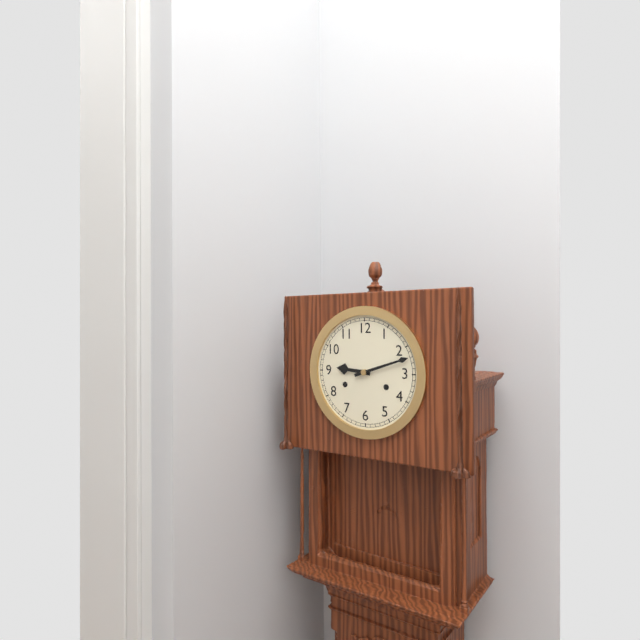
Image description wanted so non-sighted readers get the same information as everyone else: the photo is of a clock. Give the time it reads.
9:12
